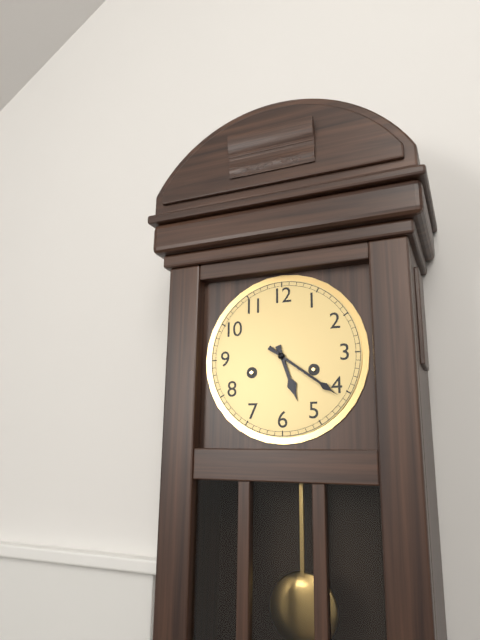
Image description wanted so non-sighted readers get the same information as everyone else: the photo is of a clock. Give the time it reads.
5:21
